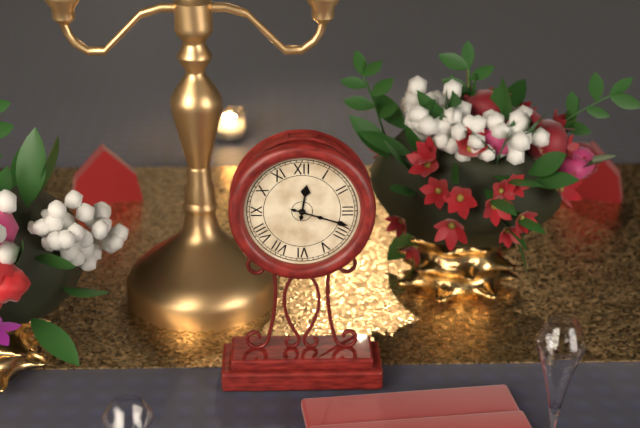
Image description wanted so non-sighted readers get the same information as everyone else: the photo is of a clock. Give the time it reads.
12:18
